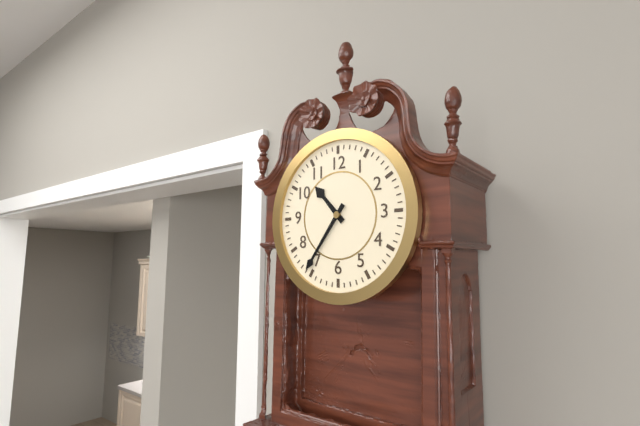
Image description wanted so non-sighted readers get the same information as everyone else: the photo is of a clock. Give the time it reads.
10:36
